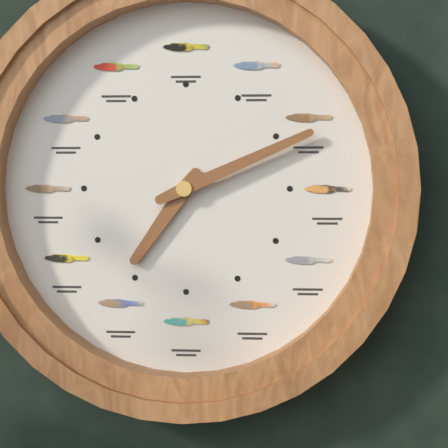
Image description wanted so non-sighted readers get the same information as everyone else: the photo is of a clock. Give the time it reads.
7:11
